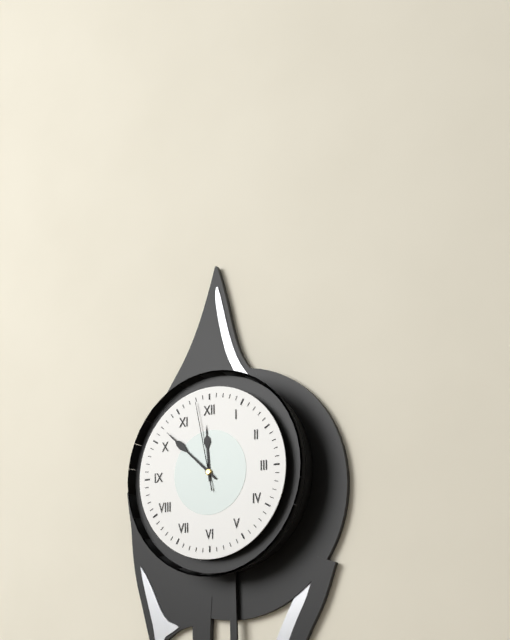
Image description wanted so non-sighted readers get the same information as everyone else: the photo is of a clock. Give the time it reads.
11:52:58
